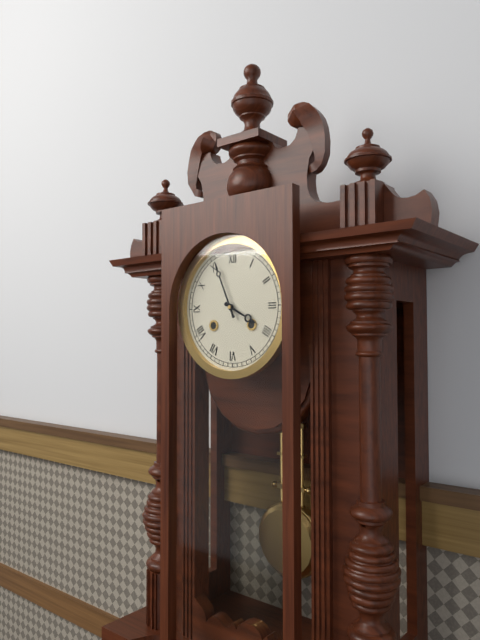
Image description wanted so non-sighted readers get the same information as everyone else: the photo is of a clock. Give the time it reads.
3:56
